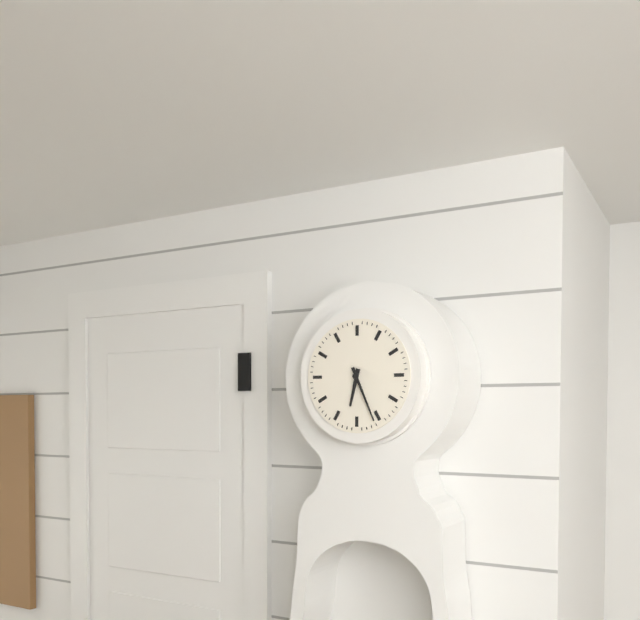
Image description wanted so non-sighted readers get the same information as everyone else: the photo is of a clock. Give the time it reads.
6:26
